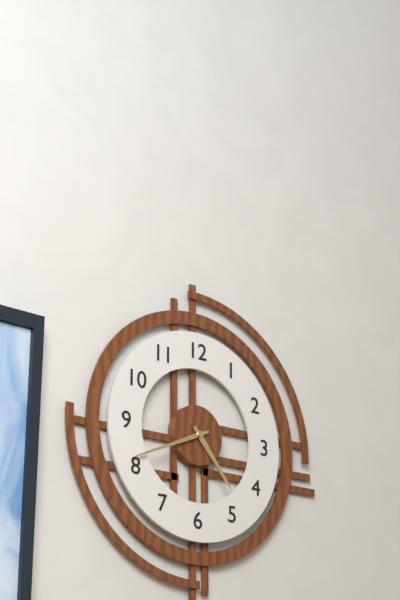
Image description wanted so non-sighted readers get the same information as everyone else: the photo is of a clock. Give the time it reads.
4:41
